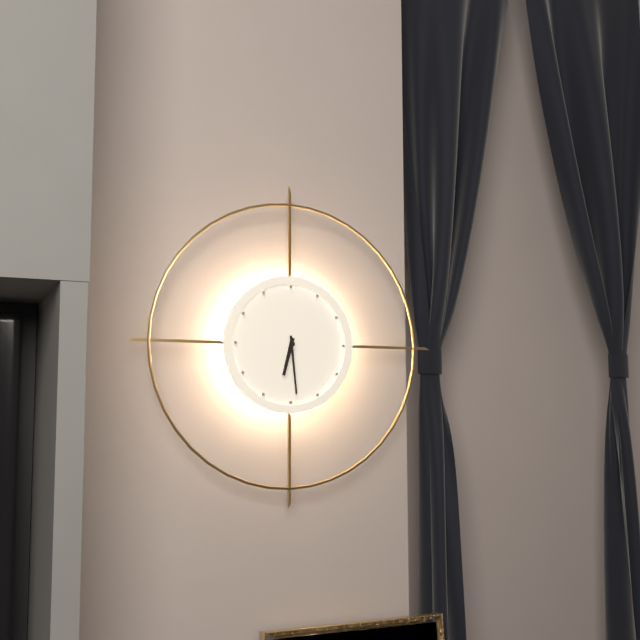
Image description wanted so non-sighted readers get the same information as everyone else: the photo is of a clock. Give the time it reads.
6:29
